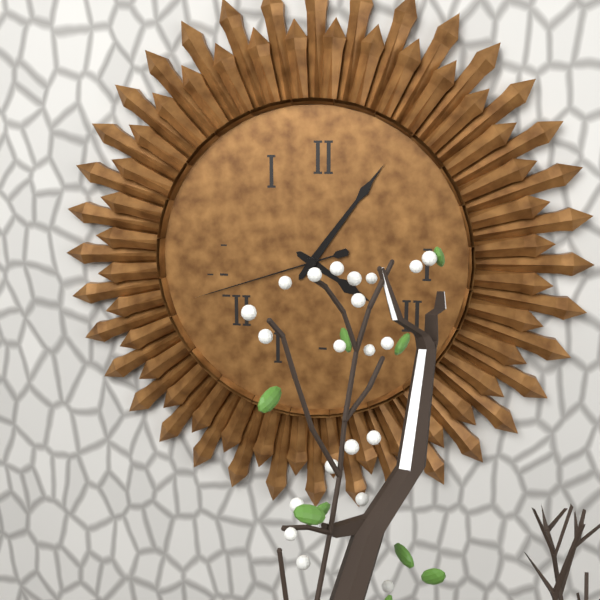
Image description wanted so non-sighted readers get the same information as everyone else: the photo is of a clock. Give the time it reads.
4:06:42
